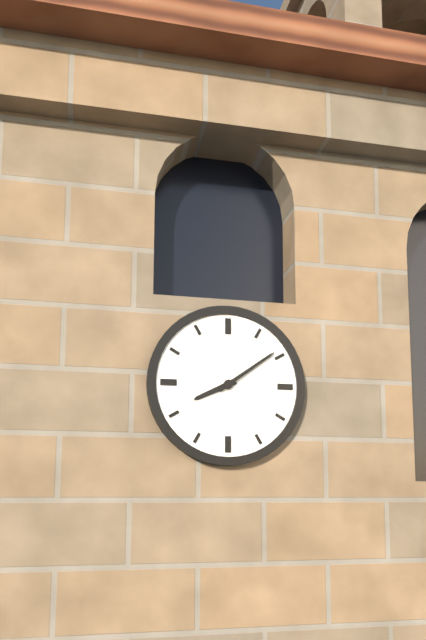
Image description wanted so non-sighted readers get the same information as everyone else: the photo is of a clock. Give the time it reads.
8:09
